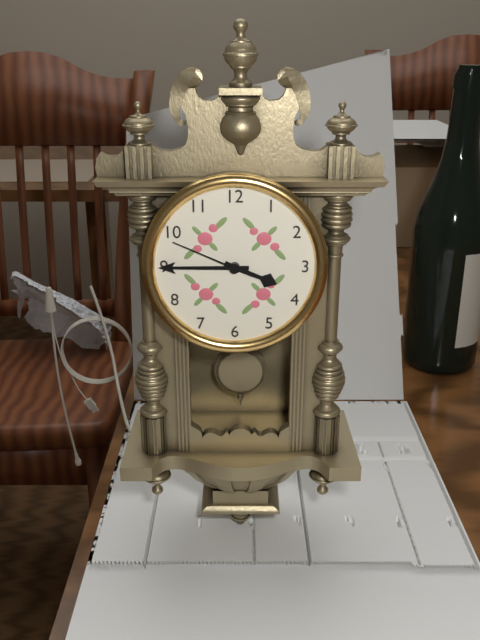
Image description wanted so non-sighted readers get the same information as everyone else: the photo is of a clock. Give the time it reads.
3:45:49
